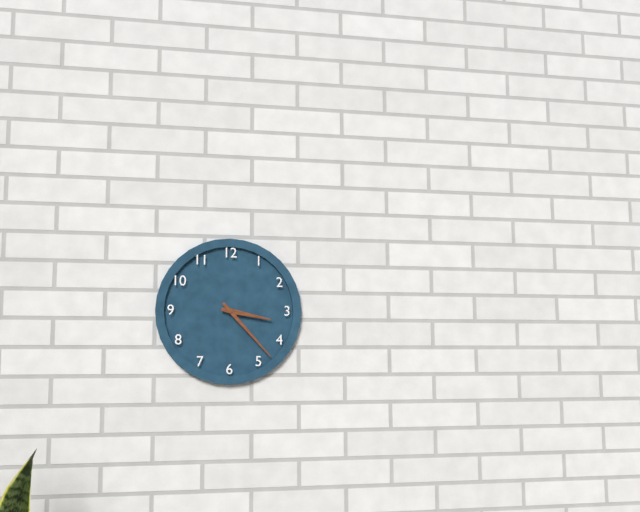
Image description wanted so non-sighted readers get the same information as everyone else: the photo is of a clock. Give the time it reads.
3:23
